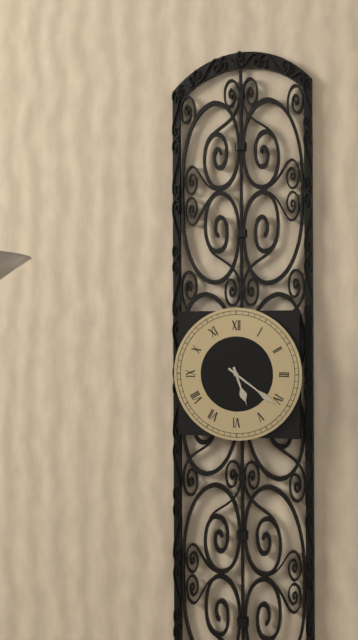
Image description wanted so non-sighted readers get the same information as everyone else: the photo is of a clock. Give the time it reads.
5:21
